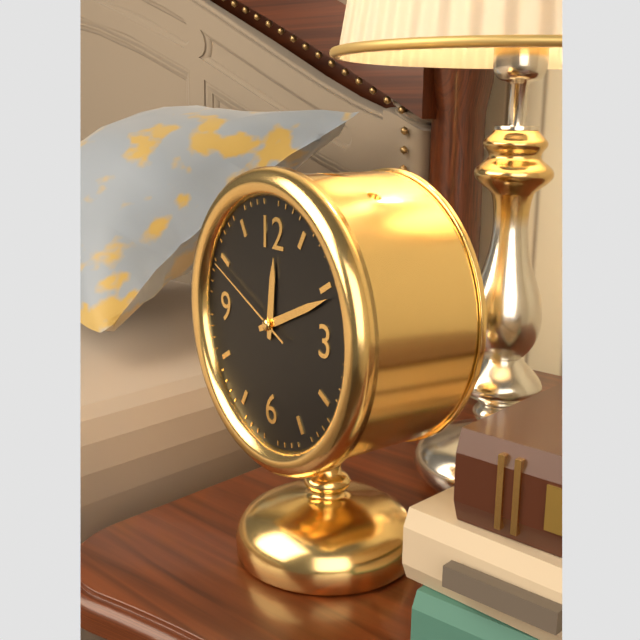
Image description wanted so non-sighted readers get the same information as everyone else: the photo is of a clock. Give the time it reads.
12:11:49
